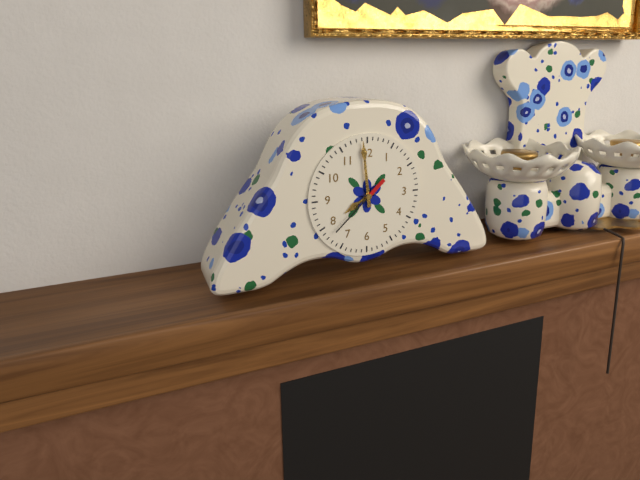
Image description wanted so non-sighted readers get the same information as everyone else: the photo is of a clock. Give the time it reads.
7:59:38
